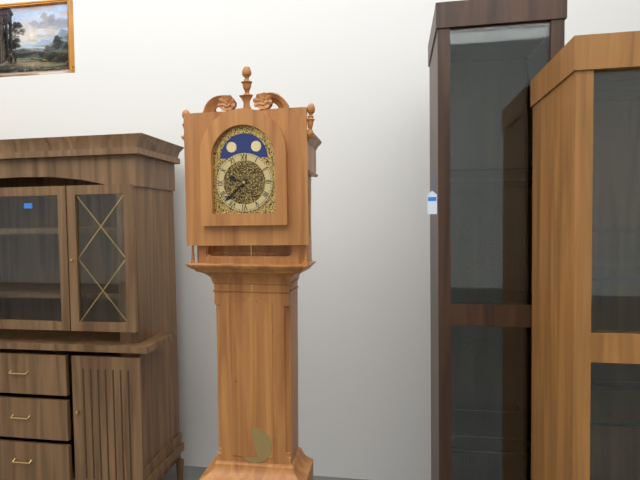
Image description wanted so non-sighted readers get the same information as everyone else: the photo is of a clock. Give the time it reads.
9:38
